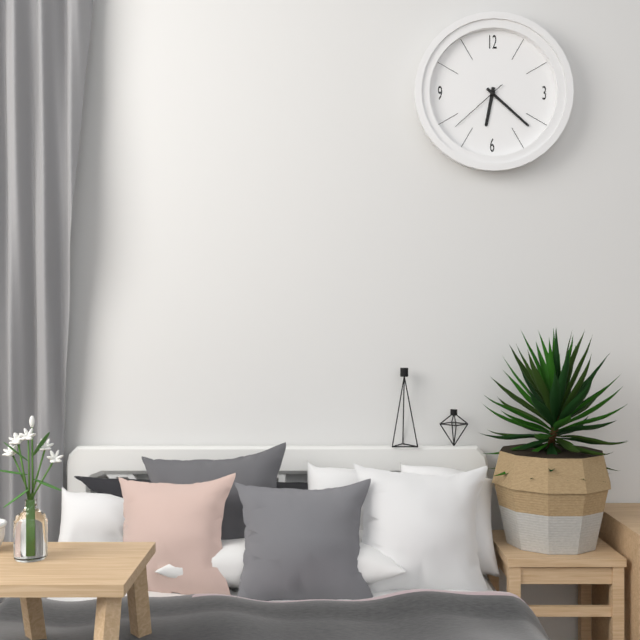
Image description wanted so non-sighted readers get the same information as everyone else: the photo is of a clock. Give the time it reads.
6:22:38
